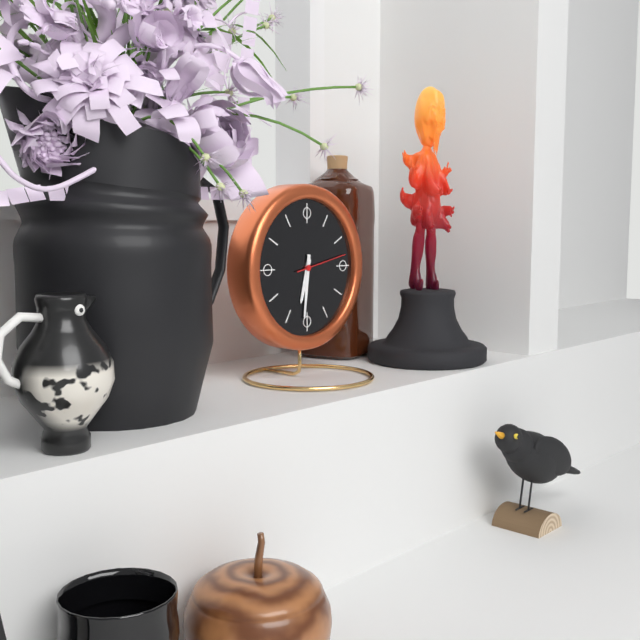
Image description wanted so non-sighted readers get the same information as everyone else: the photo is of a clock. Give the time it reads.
6:31
